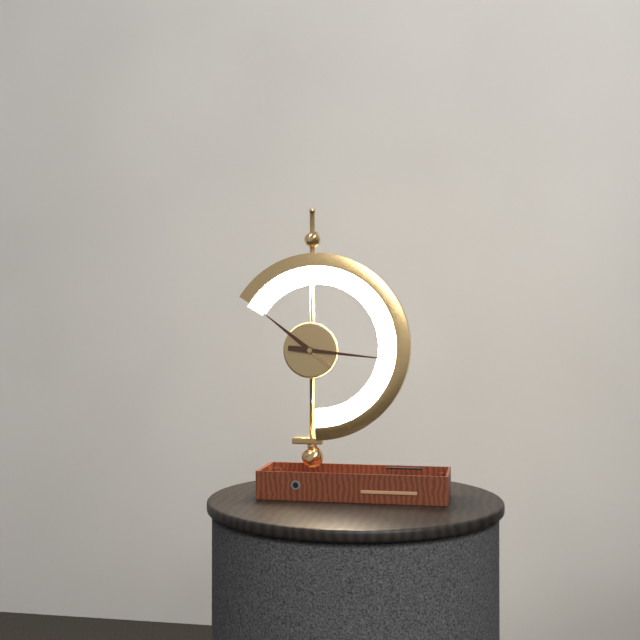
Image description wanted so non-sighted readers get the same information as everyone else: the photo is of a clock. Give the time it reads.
10:16
